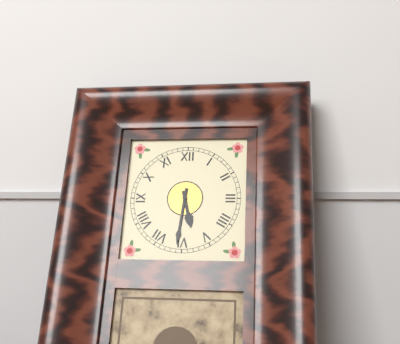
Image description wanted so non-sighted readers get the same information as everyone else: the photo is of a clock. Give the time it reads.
5:31
